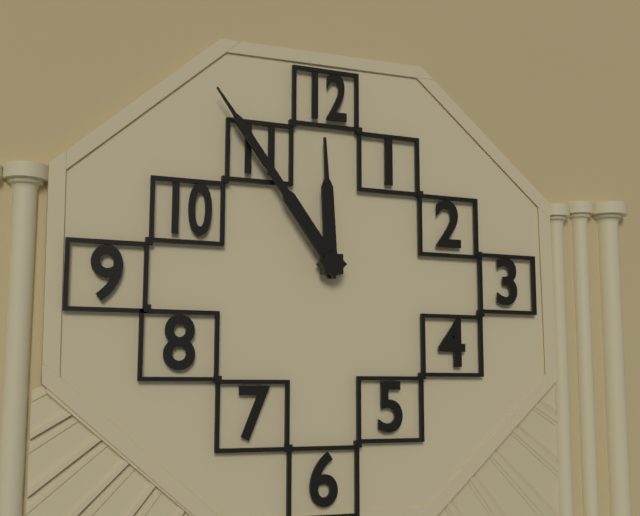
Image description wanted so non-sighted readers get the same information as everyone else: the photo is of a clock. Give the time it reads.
11:54
